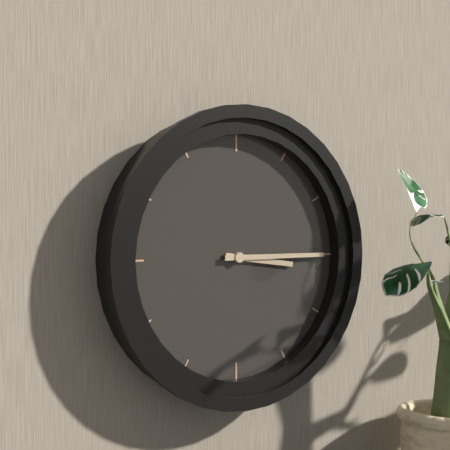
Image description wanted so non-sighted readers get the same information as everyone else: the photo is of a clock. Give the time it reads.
3:15
